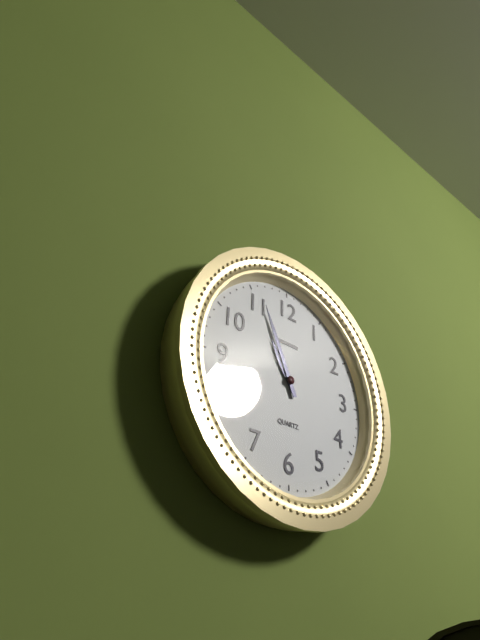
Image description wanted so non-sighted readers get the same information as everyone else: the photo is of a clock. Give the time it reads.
10:56
